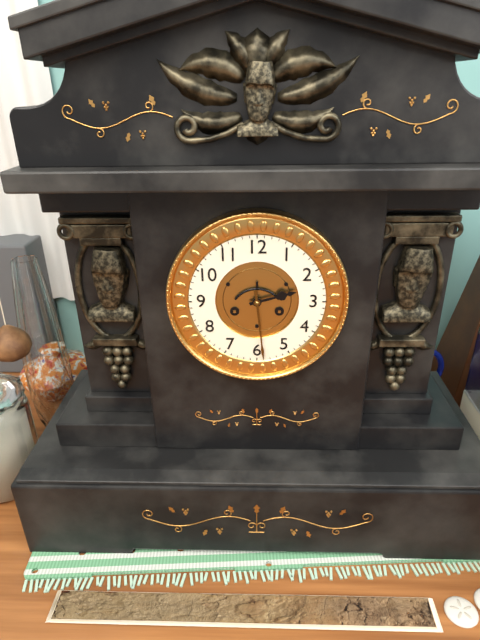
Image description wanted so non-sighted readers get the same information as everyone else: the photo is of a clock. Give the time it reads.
2:29
